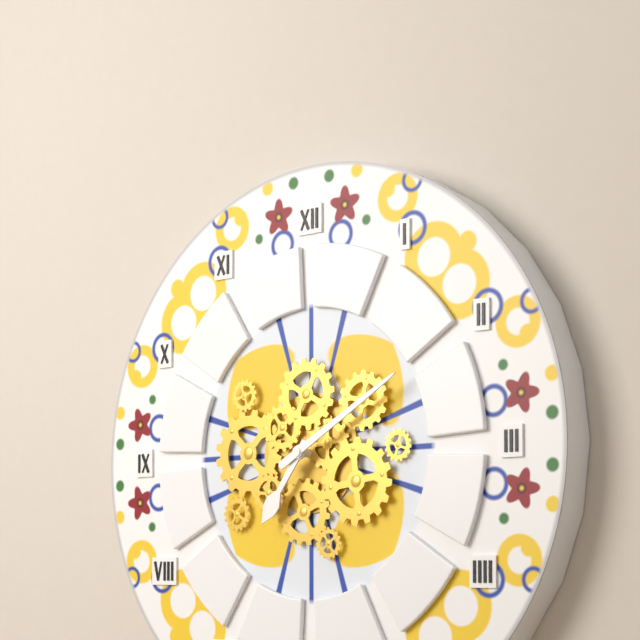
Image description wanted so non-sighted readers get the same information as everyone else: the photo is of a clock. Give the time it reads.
7:10
